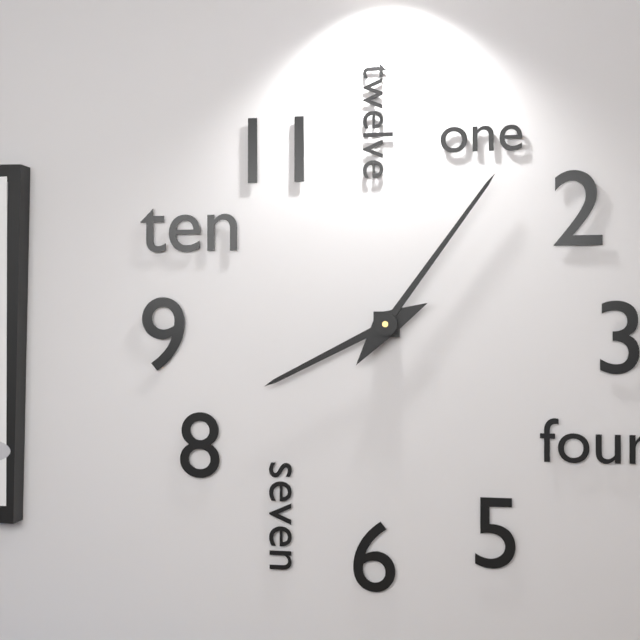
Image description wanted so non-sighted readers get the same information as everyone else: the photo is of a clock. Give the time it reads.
8:06
